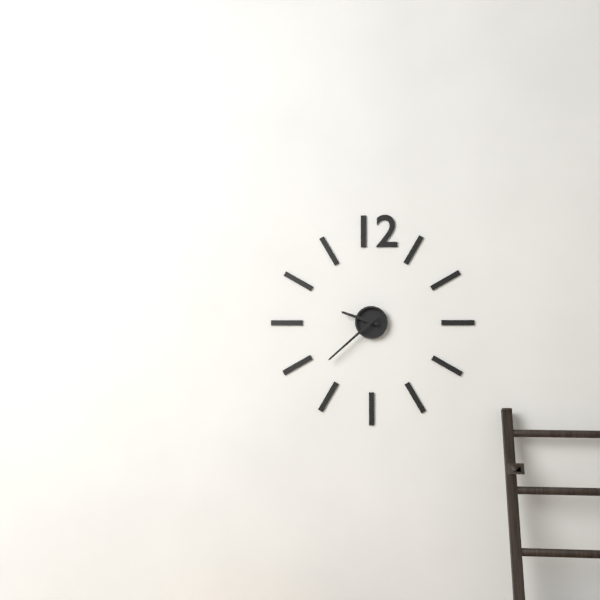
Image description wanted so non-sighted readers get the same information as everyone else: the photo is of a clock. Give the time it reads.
9:38
